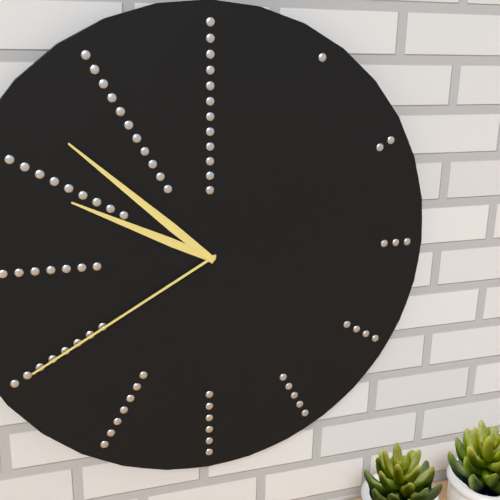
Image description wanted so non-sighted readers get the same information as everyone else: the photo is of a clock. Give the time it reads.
9:52:40
